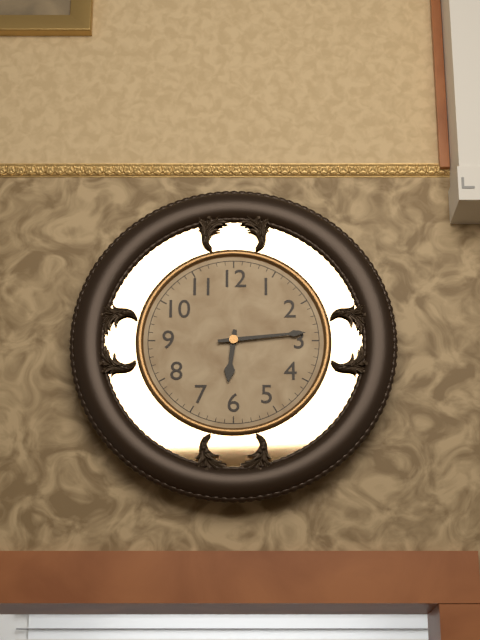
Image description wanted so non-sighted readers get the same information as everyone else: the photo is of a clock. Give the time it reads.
6:14
